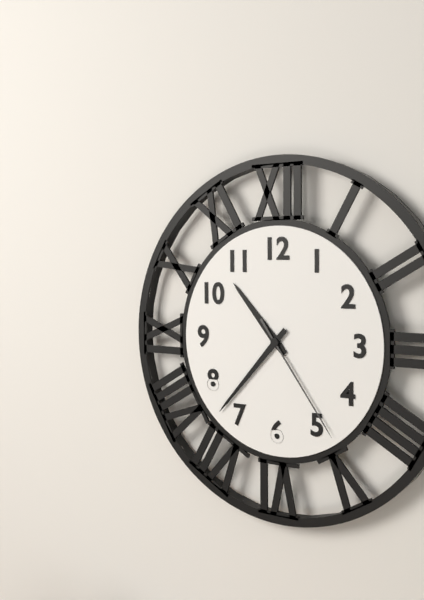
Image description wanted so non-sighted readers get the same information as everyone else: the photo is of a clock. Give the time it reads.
10:37:24
